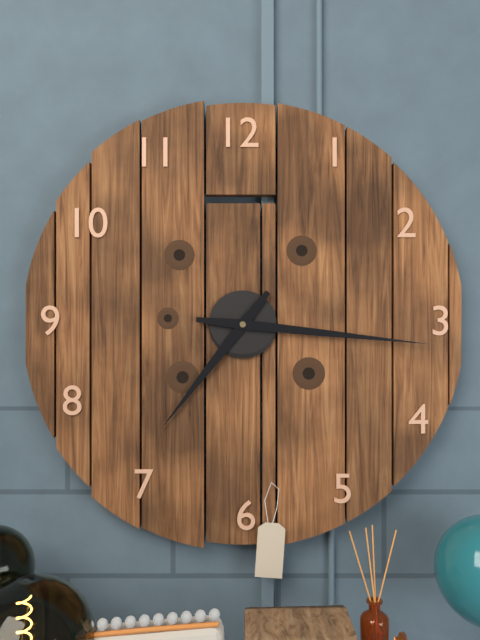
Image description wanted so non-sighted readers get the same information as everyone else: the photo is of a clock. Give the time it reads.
7:16
